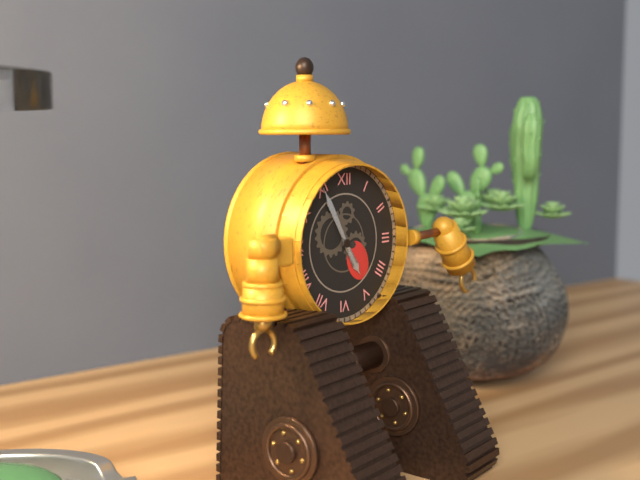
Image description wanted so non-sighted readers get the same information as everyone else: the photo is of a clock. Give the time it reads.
4:55
